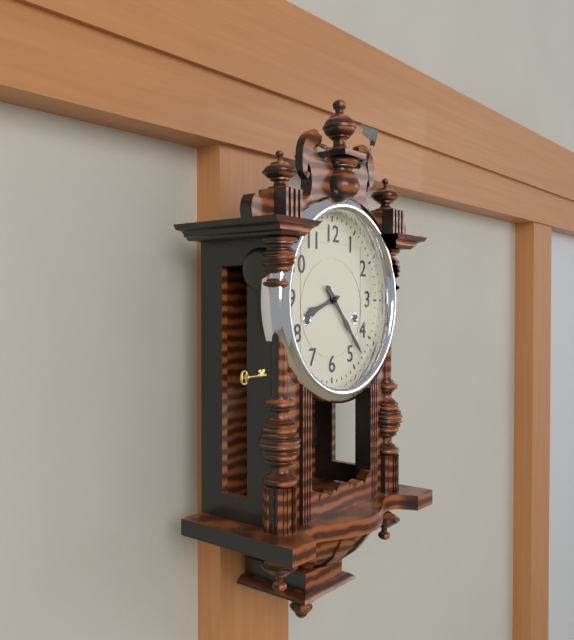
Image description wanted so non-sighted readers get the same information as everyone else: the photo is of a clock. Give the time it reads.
8:23
